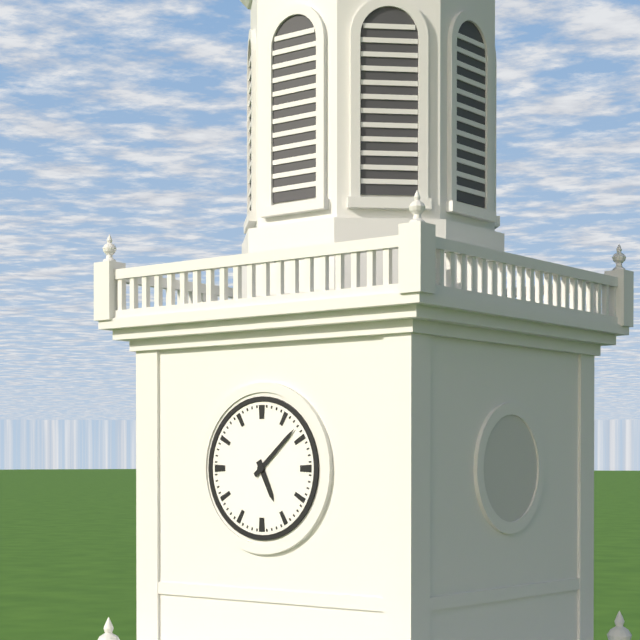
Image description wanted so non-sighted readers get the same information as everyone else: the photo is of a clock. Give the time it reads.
5:08
